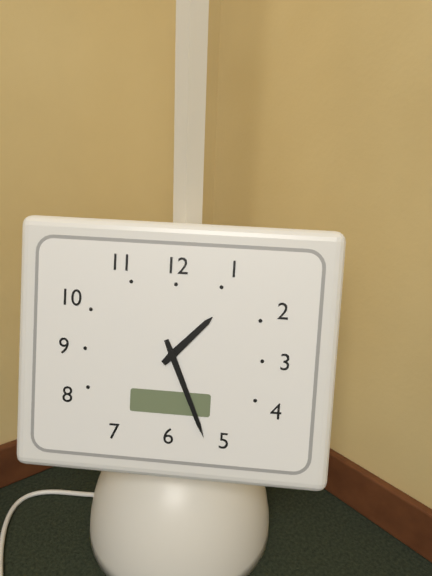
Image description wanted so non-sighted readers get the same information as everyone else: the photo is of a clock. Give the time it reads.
1:26
